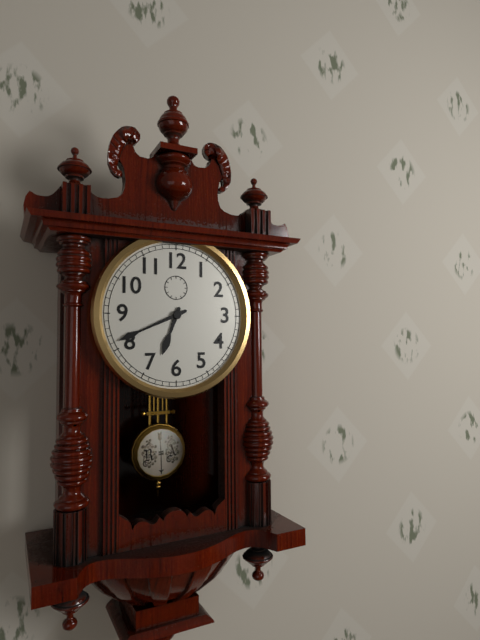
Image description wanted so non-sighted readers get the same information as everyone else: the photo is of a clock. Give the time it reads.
6:41
